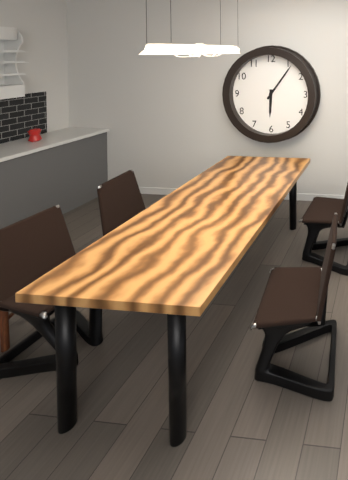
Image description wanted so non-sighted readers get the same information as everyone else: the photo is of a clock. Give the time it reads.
6:06
